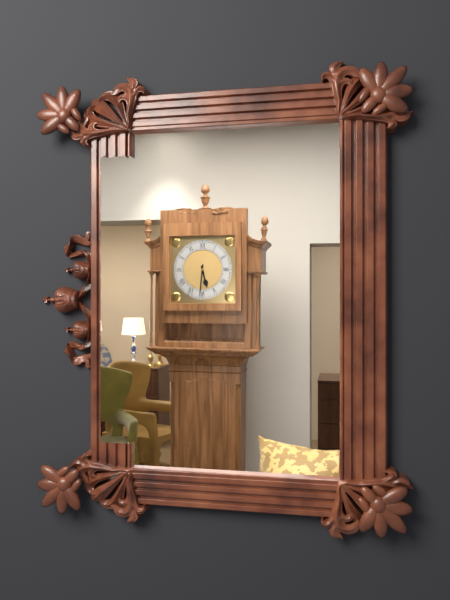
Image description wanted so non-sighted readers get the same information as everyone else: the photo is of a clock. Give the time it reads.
5:31
